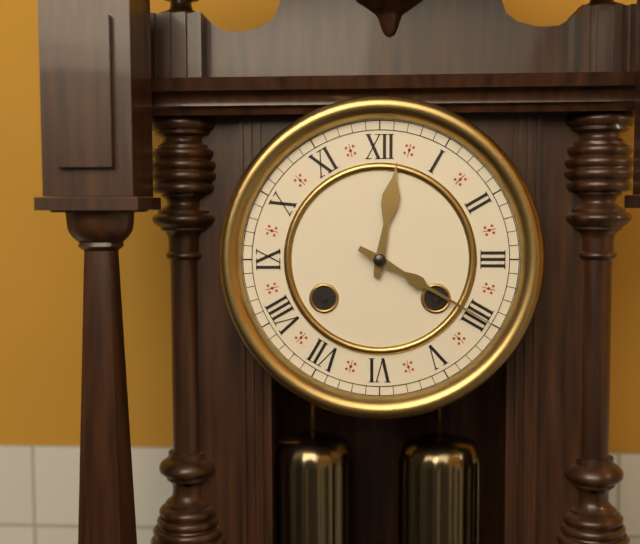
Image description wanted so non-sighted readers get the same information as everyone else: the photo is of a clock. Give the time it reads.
12:20
